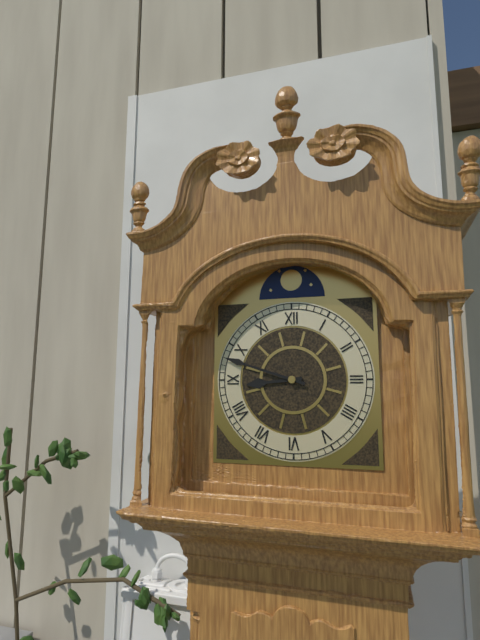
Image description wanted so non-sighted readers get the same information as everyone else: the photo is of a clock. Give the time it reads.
8:48
